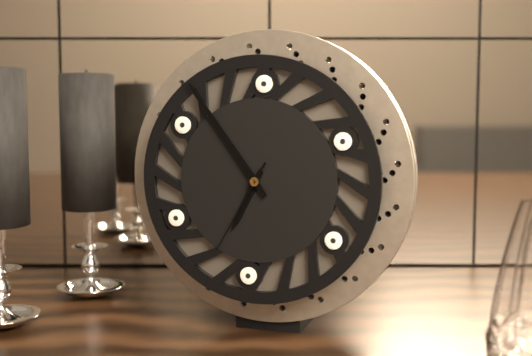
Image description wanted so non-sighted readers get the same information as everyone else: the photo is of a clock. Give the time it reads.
6:54:35
